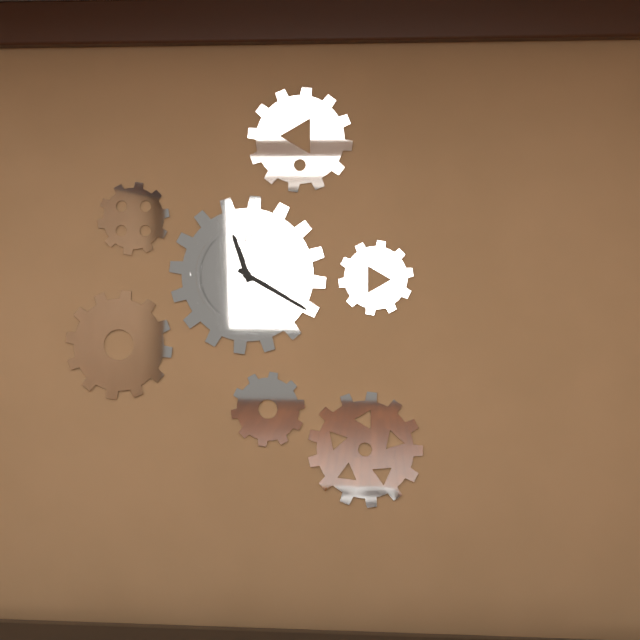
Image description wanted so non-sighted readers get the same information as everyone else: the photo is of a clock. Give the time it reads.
11:20
